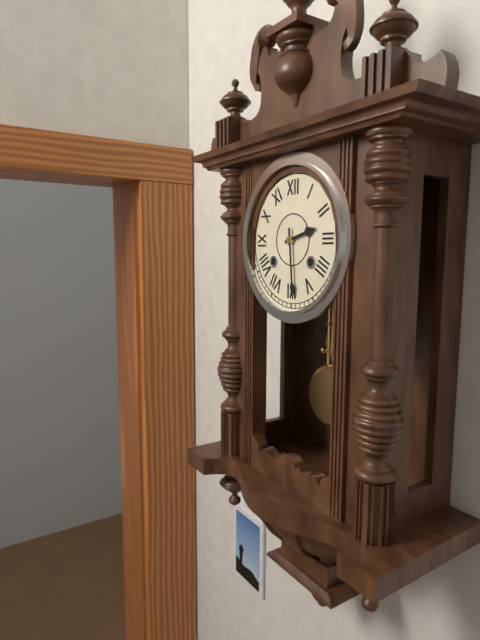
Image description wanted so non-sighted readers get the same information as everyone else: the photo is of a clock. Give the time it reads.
2:29
